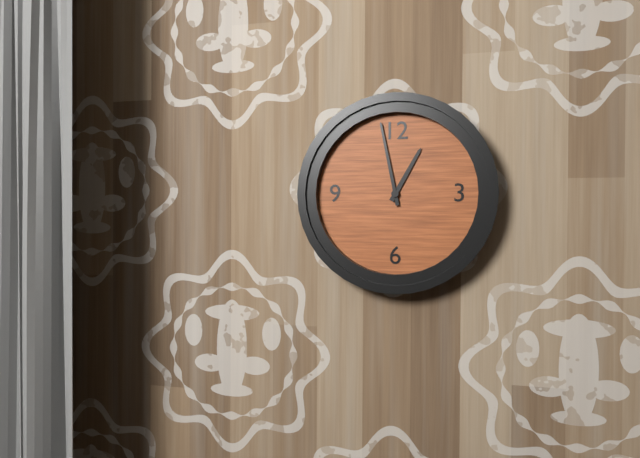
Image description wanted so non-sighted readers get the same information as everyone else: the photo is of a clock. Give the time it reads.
12:58
